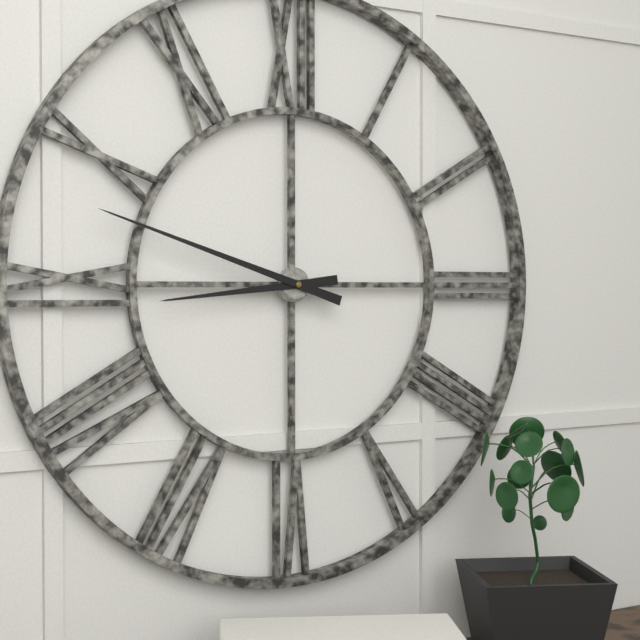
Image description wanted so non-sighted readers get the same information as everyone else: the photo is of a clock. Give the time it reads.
8:48
